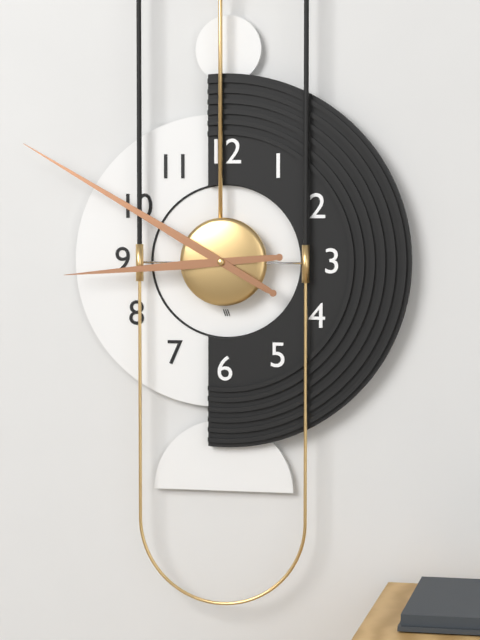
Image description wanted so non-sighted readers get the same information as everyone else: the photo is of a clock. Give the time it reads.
8:50
